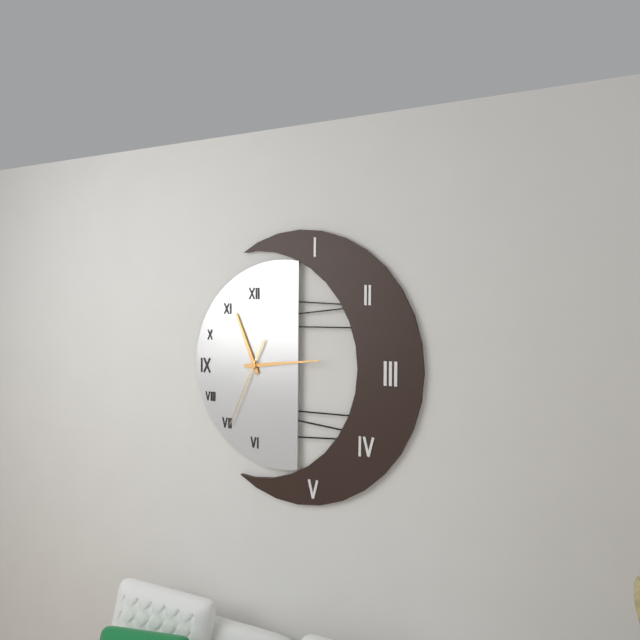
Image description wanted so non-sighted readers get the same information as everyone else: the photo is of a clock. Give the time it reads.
11:14:34
